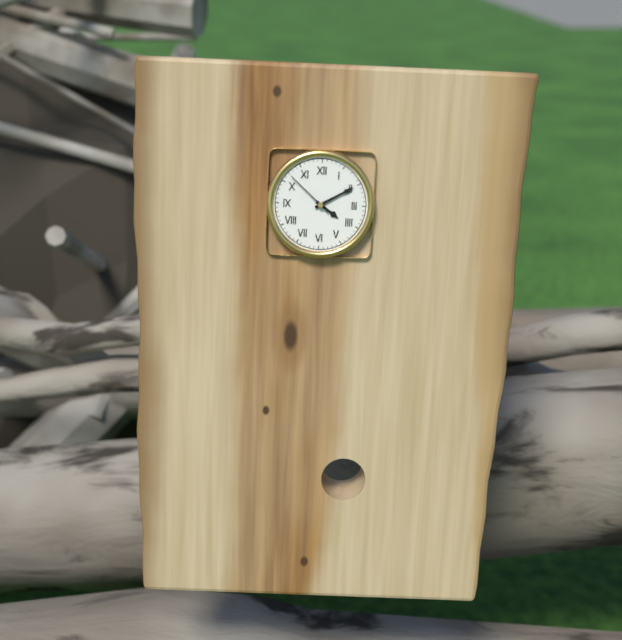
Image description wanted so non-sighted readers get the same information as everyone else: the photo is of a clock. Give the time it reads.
4:10:52
